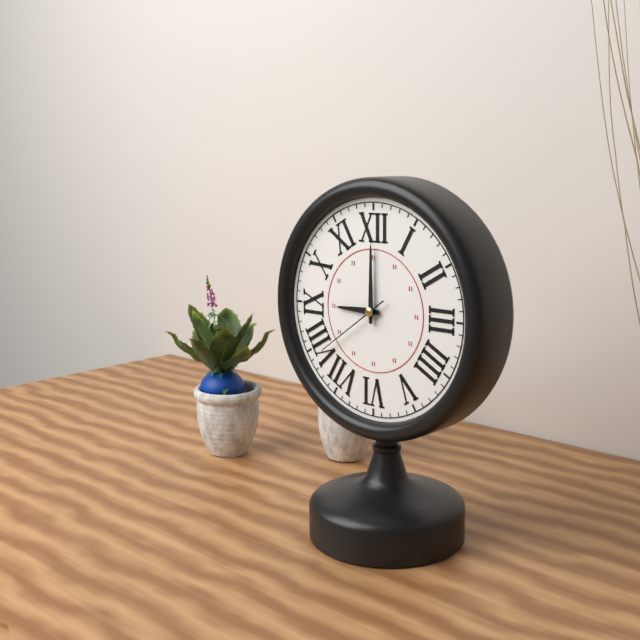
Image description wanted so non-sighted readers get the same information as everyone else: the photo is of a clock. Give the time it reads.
9:00:39
